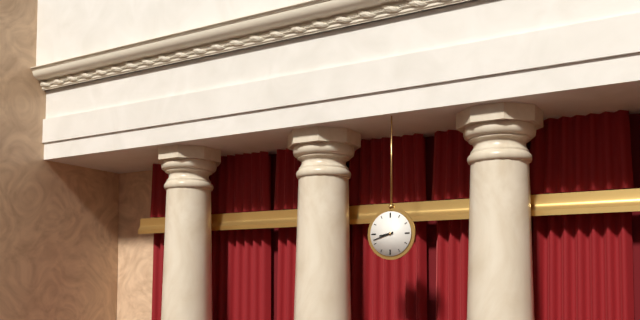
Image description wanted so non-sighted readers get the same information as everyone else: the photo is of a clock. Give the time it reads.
8:42
